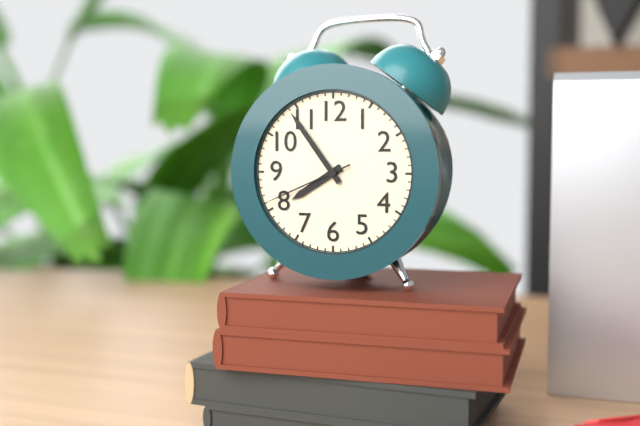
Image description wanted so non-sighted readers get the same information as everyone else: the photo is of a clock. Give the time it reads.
7:54:41
